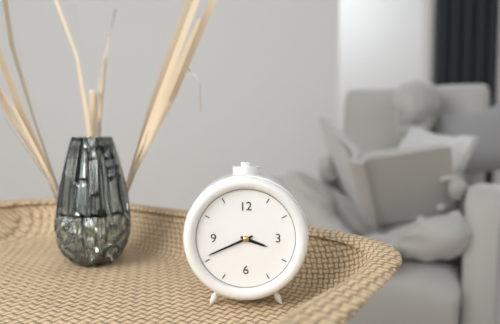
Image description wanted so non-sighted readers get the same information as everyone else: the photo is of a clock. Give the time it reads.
3:41
